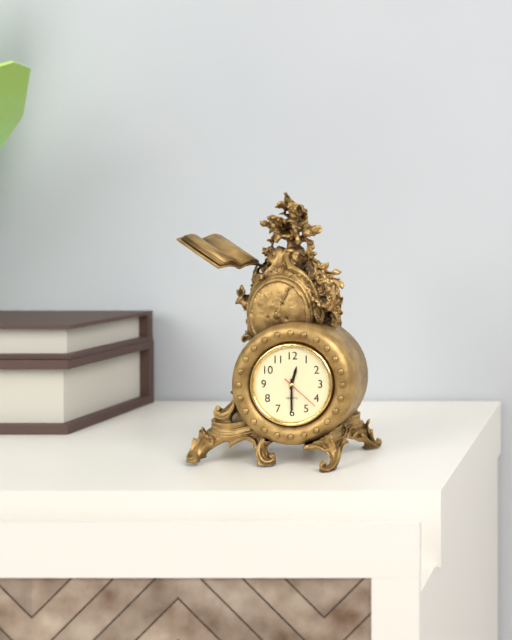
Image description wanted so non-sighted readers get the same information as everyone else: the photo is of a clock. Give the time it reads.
12:30
